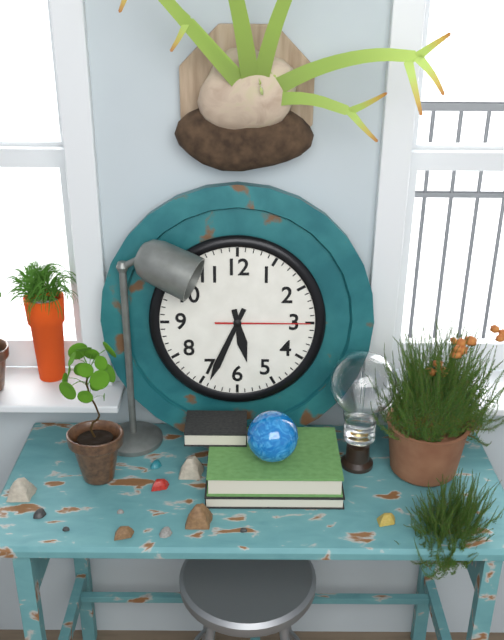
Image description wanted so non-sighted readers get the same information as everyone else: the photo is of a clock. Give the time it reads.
5:34:15
